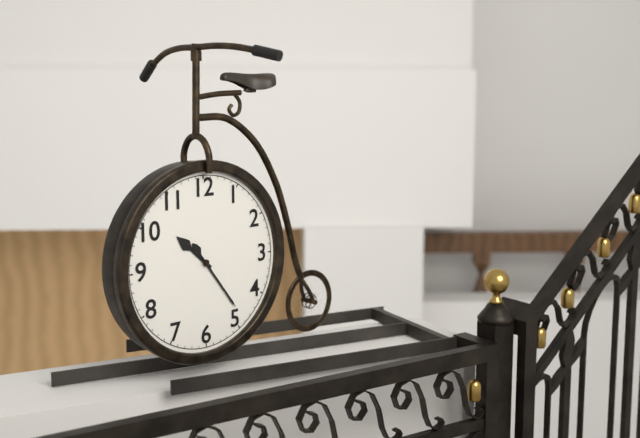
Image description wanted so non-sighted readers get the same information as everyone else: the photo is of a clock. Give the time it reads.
10:24
